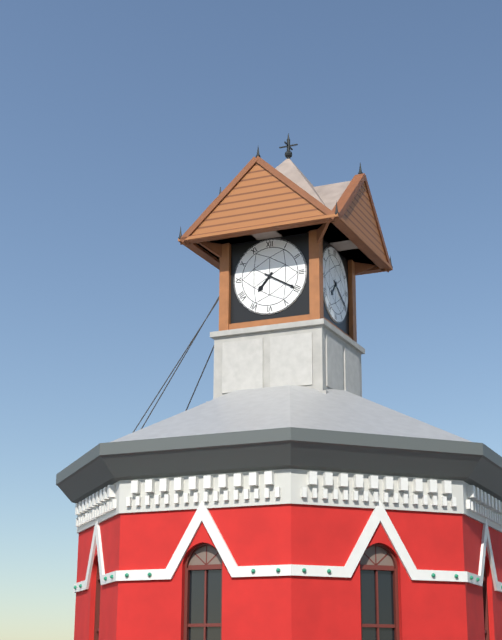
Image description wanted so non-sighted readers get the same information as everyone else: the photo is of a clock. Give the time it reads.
7:20
